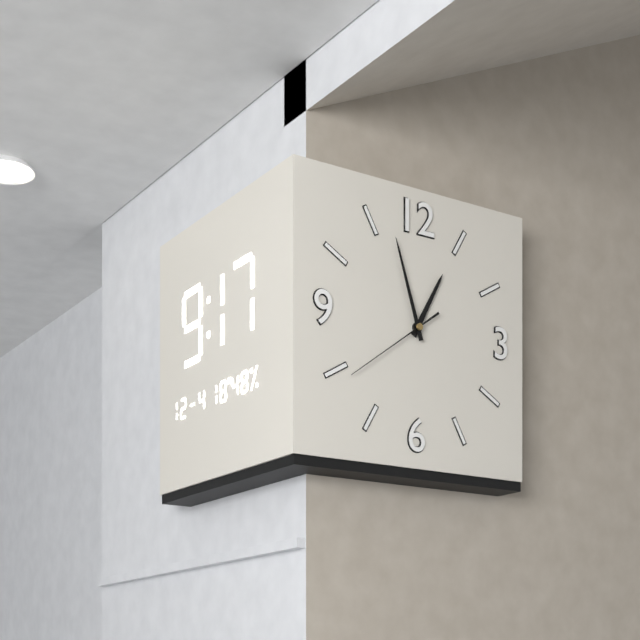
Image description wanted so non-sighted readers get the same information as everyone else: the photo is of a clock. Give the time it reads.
12:57:39
